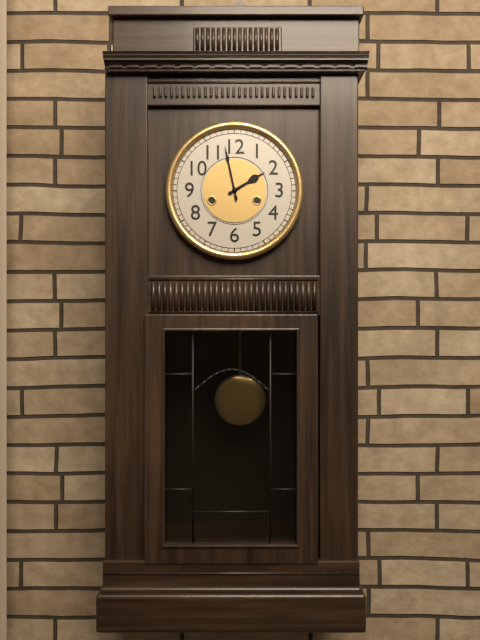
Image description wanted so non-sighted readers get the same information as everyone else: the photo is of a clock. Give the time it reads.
1:58
